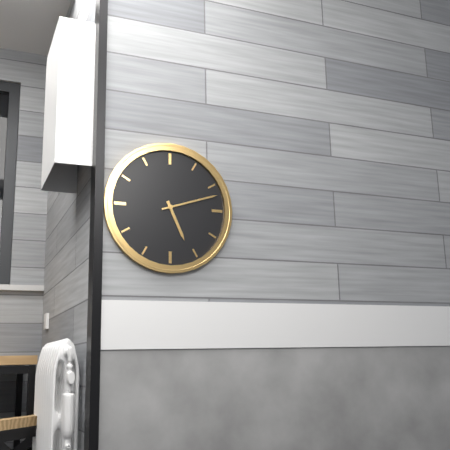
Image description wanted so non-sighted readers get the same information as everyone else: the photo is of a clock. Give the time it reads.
5:12
